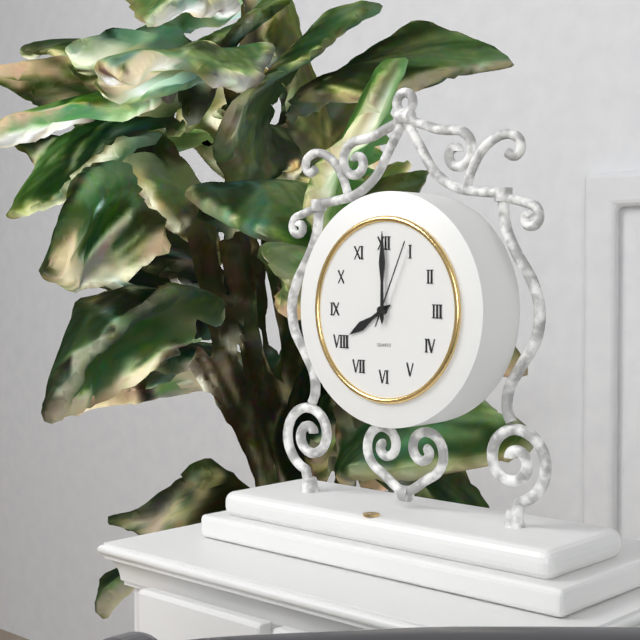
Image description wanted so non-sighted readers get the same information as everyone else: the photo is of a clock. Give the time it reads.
8:00:04
